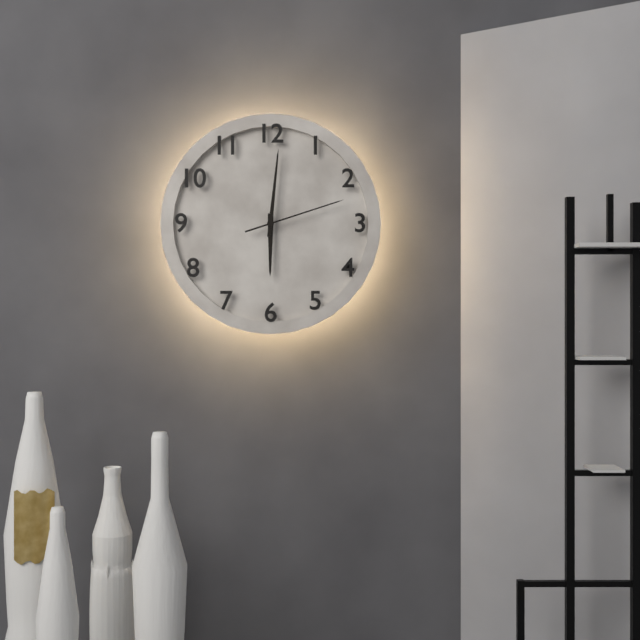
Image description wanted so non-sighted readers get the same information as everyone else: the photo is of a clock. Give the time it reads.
6:01:12
